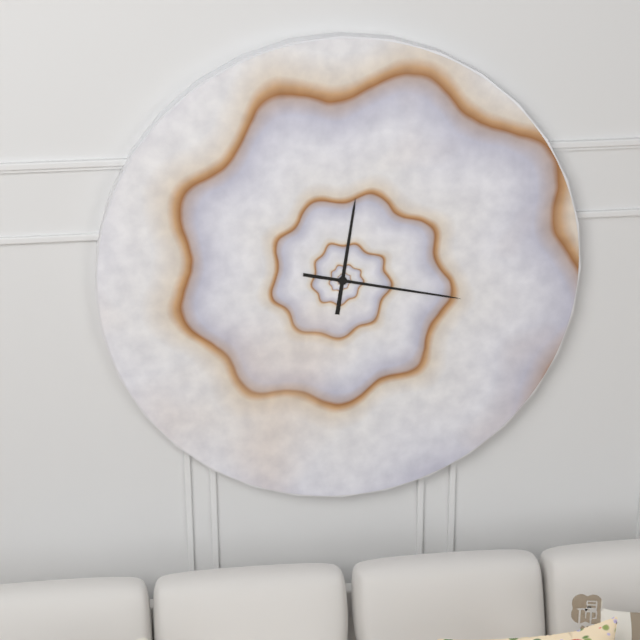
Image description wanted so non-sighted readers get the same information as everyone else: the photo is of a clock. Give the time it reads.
12:17
